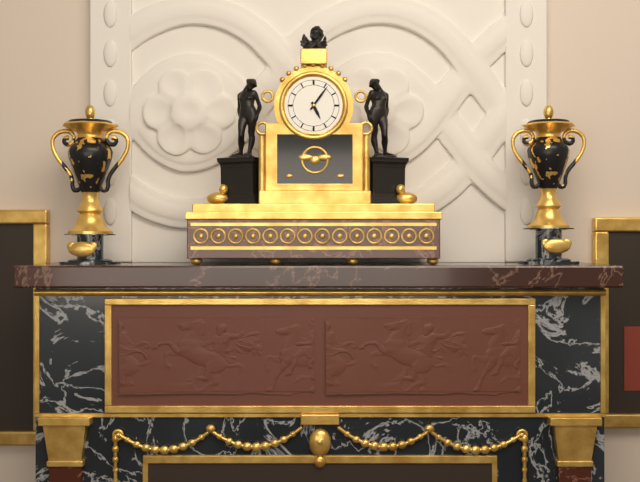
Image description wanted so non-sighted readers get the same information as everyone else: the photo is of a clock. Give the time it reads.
5:06
